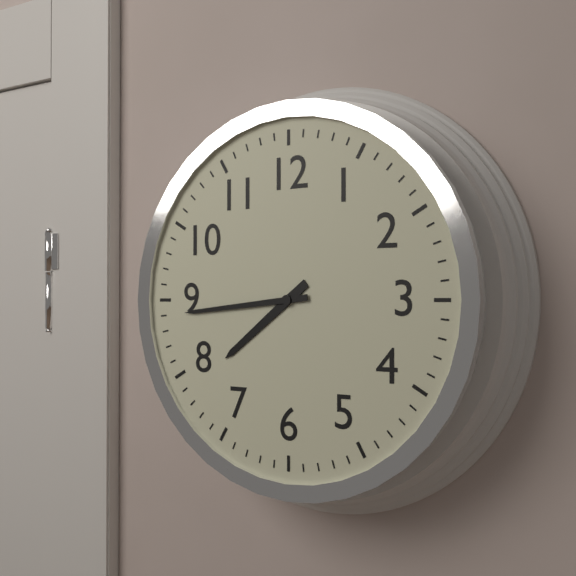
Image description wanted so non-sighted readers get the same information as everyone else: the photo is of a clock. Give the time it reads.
7:44
